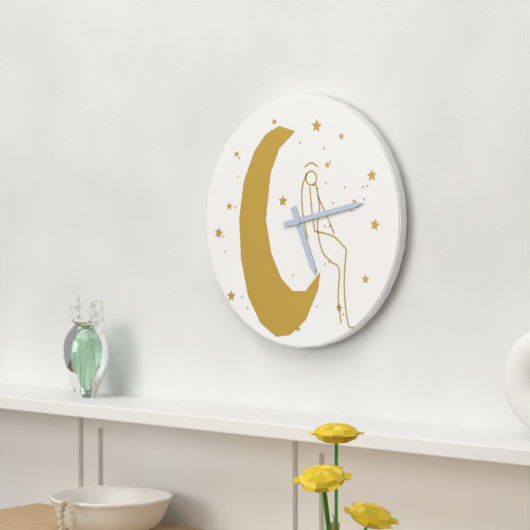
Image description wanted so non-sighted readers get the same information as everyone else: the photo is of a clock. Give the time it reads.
5:13
